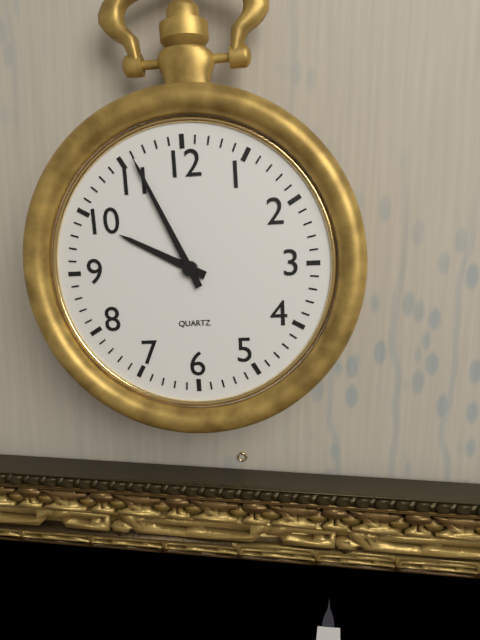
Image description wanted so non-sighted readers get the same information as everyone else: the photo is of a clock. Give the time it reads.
9:56
